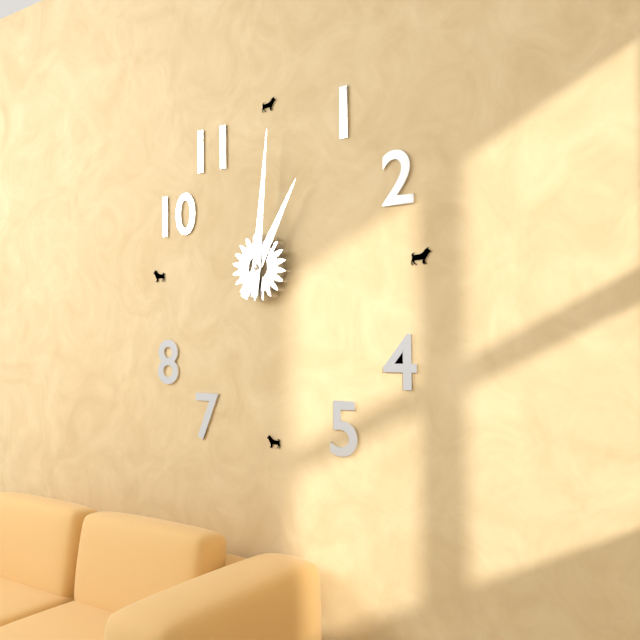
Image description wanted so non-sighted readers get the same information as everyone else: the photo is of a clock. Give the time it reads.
1:01
